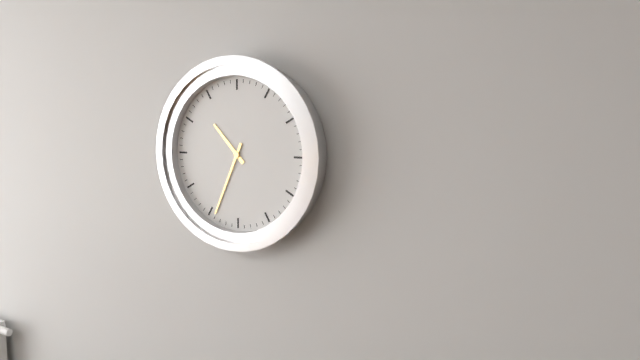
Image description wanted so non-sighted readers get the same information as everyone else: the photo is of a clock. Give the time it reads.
10:34
